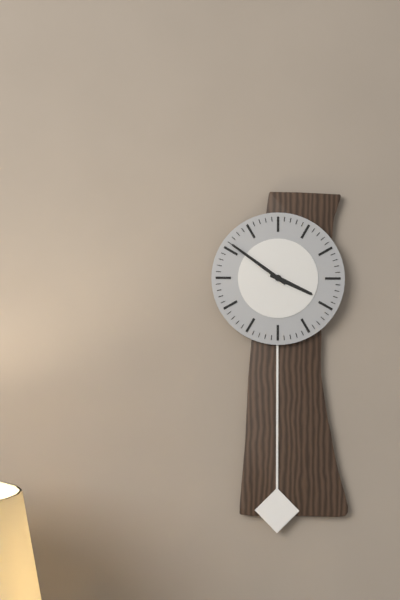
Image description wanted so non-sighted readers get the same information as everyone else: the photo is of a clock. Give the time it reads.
3:51
